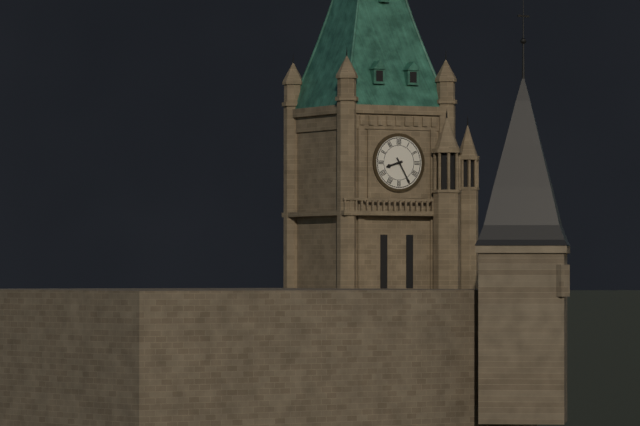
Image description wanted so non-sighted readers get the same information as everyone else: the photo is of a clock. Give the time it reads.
8:25
